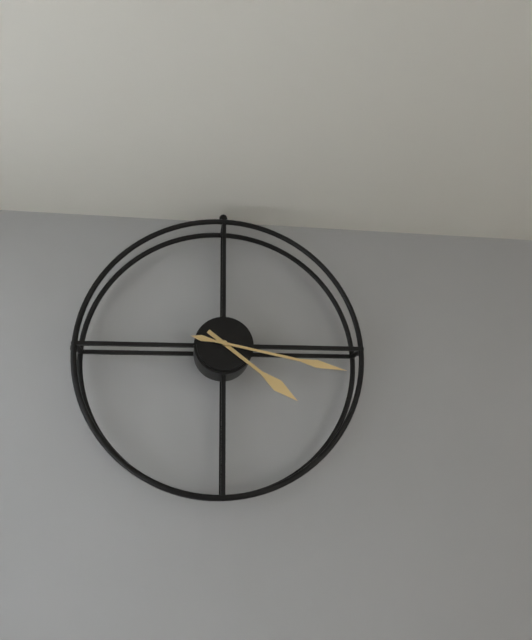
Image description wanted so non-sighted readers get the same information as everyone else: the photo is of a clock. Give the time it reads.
4:17
